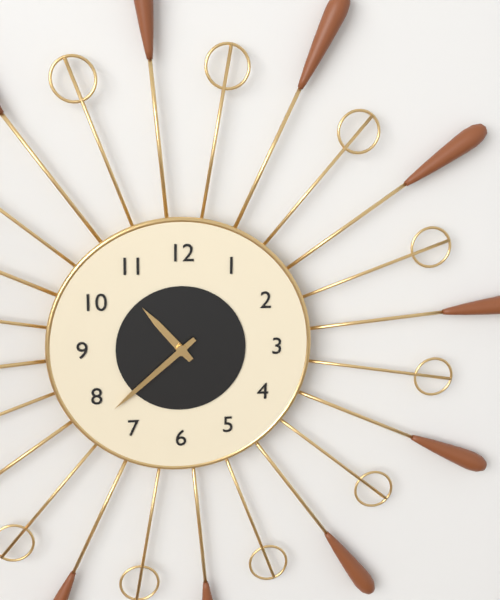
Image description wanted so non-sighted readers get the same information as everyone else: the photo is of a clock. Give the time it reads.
10:38
